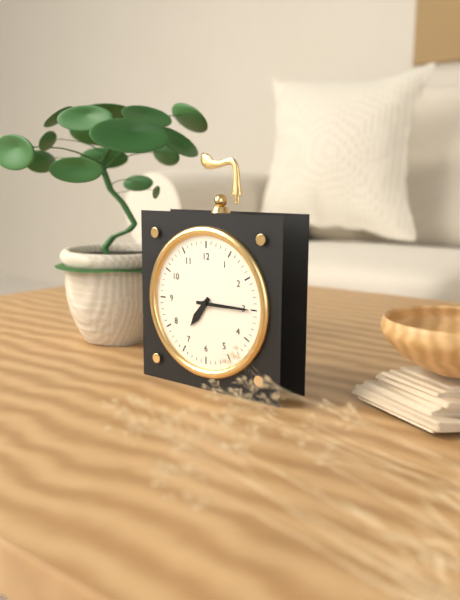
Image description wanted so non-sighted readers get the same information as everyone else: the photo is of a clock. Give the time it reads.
7:15
